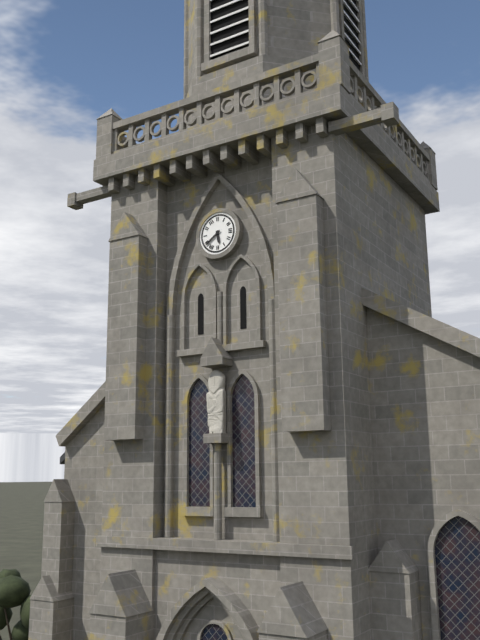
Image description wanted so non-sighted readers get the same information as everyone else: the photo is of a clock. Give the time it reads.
5:39
